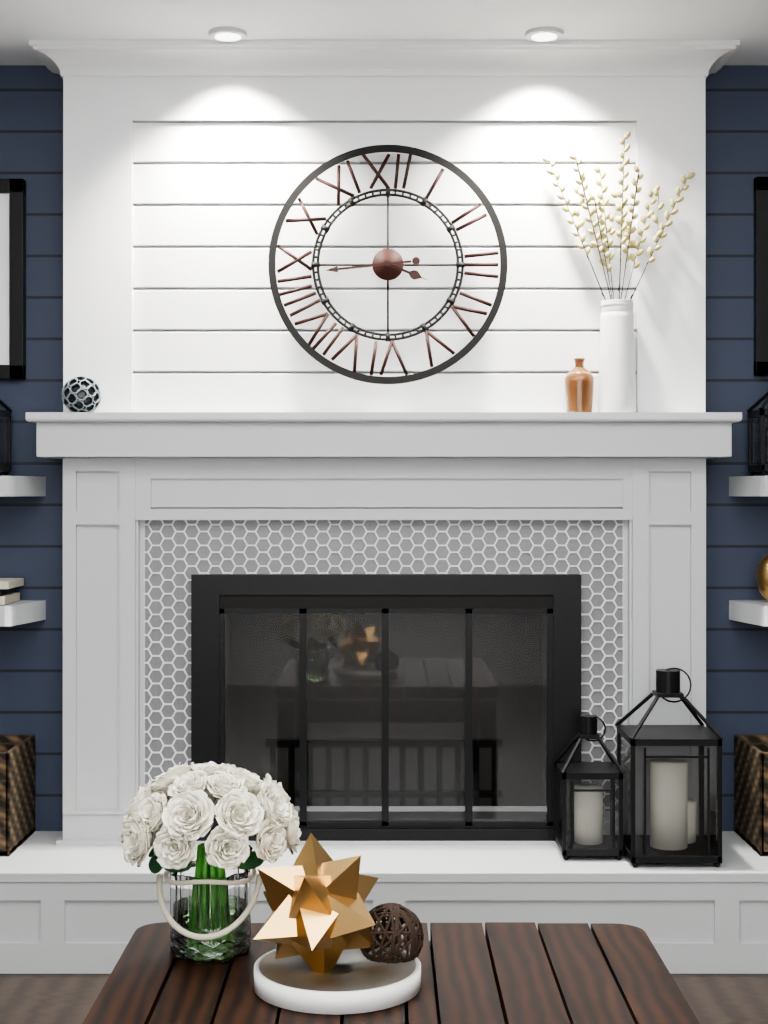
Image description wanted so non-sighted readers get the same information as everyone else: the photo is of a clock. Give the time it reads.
3:44
